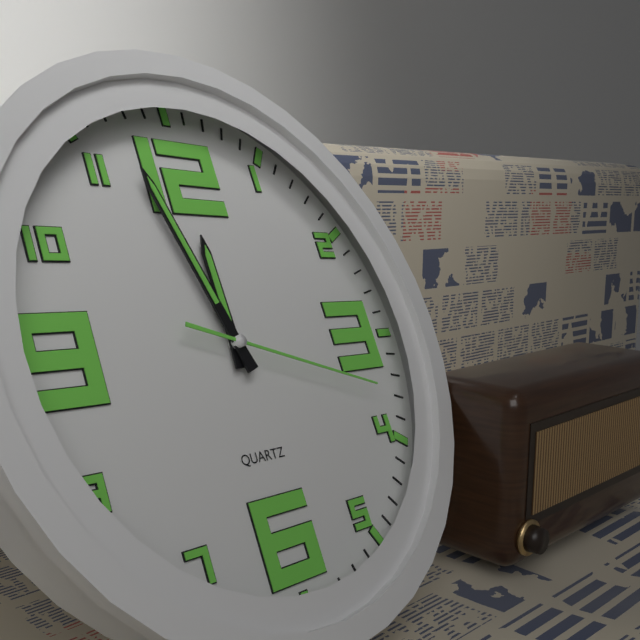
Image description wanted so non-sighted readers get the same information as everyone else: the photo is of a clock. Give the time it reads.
11:57:18
